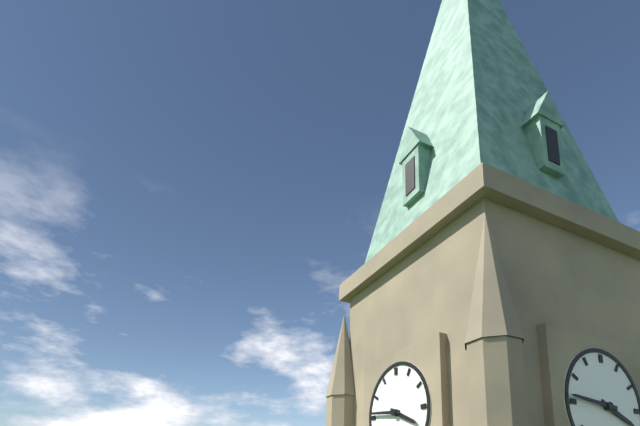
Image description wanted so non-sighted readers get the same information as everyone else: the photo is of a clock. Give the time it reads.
3:46
